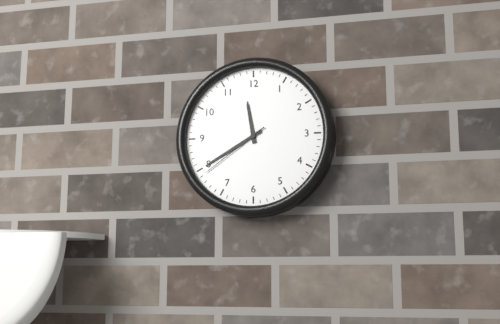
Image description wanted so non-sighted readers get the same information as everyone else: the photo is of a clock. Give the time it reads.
11:40:39
